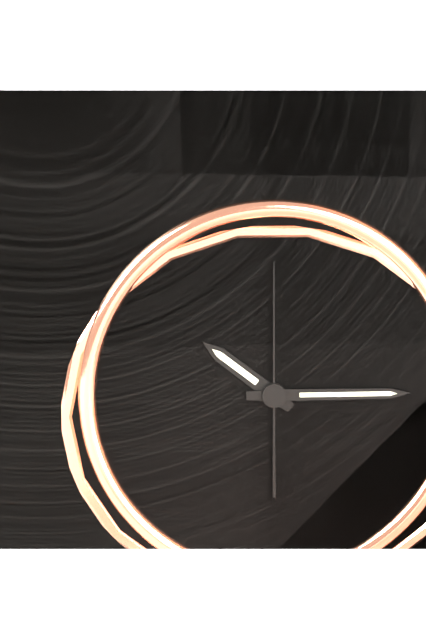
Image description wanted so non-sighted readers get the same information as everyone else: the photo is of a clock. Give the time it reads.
10:15:00
